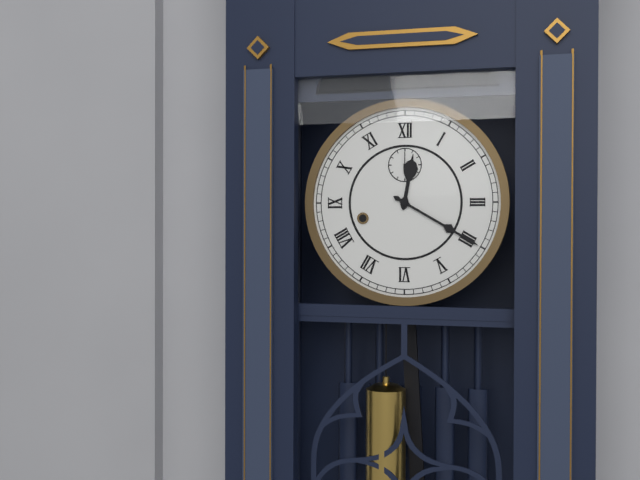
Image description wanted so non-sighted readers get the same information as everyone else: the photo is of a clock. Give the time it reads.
12:20
